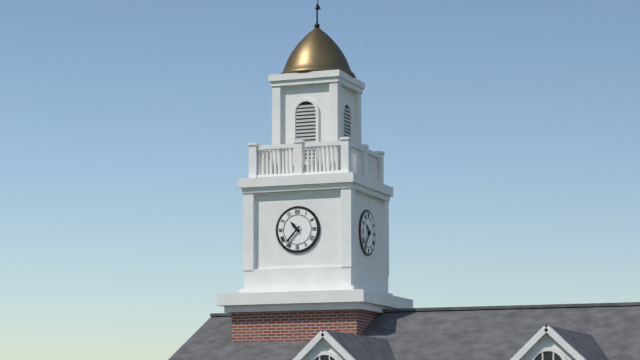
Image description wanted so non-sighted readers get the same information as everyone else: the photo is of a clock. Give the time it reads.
10:37
